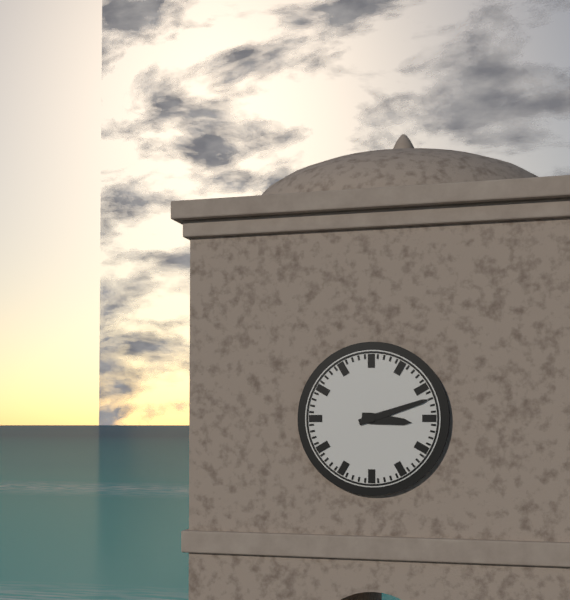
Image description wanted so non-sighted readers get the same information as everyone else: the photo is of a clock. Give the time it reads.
3:12
